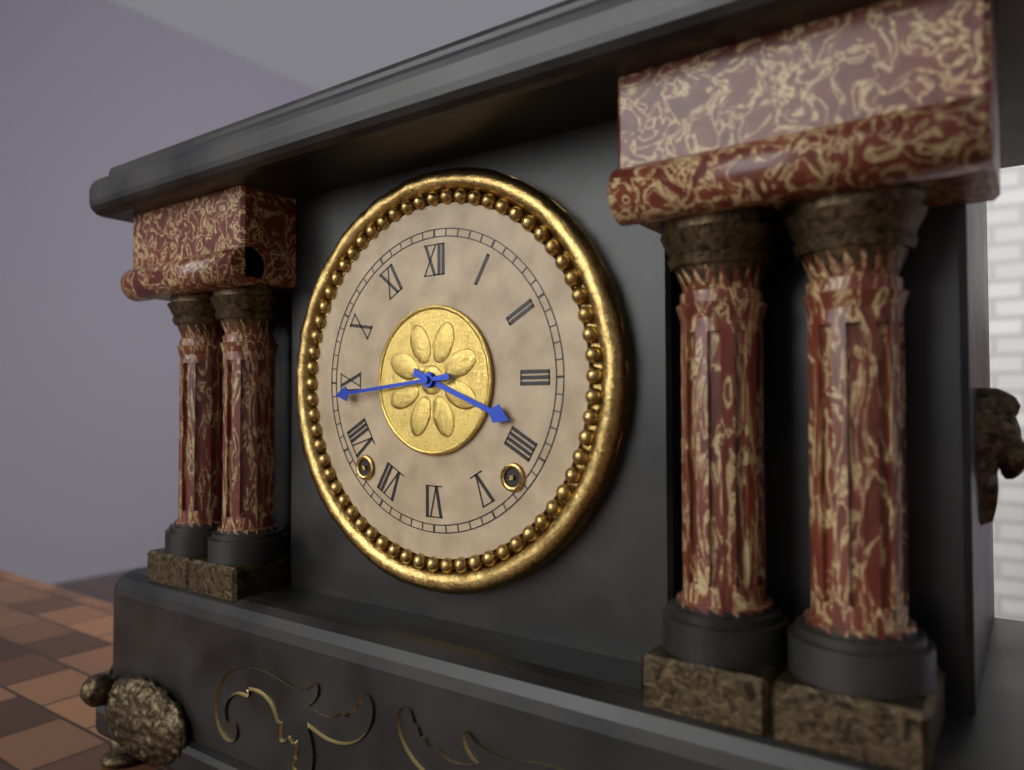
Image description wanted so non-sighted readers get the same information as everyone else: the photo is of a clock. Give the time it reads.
3:44
